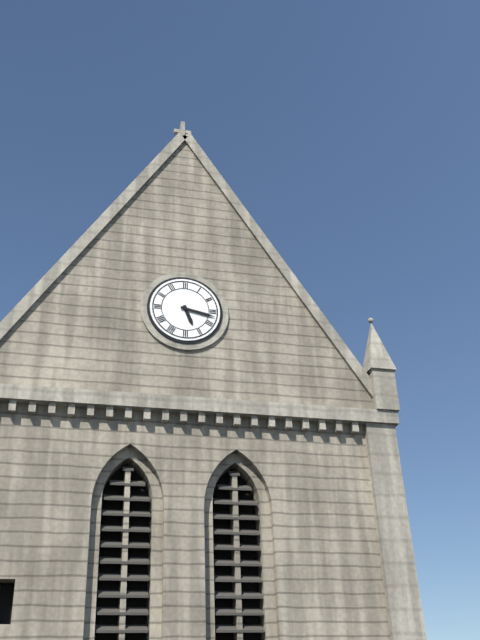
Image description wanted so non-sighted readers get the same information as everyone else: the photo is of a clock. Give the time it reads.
5:17
